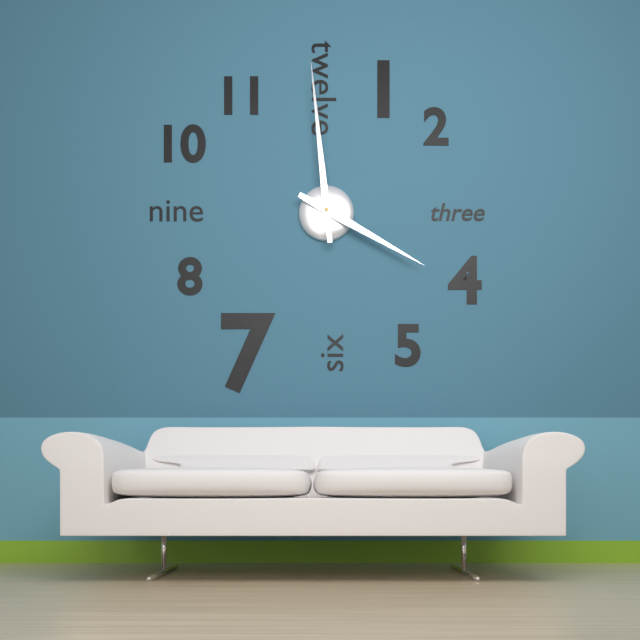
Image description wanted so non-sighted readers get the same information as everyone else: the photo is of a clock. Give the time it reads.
3:59
